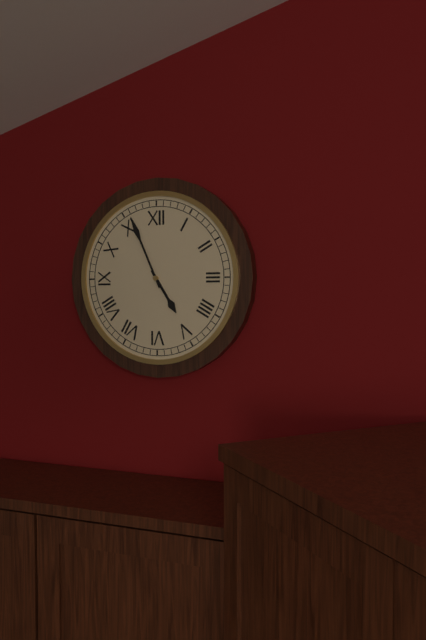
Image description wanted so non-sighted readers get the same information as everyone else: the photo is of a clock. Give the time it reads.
4:56
